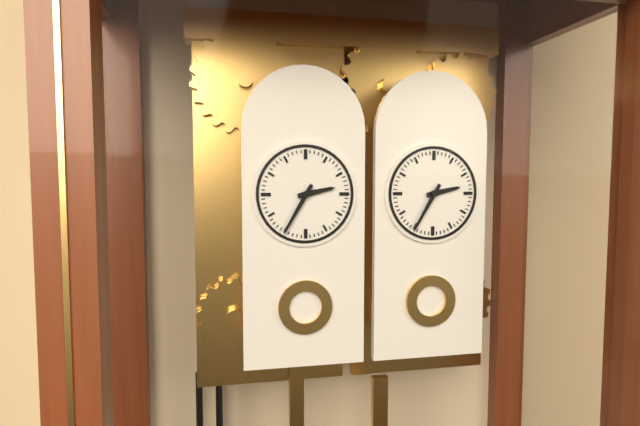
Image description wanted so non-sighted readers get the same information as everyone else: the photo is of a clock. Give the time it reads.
2:35
